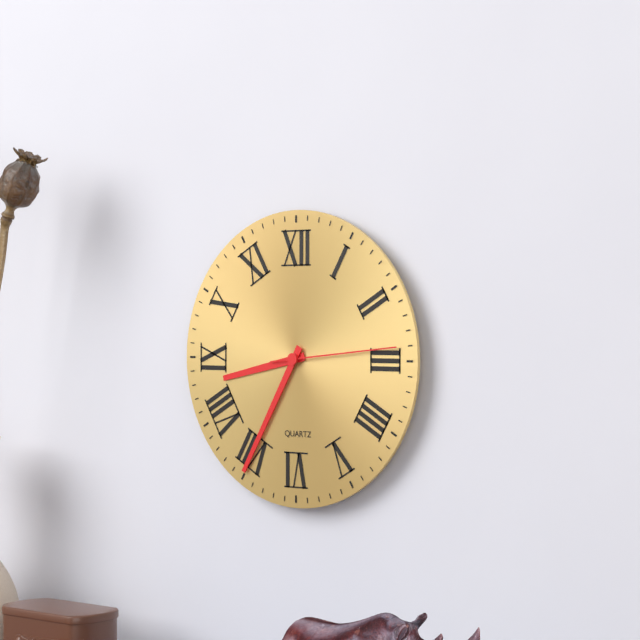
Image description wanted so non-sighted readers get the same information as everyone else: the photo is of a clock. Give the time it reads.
8:35:14
